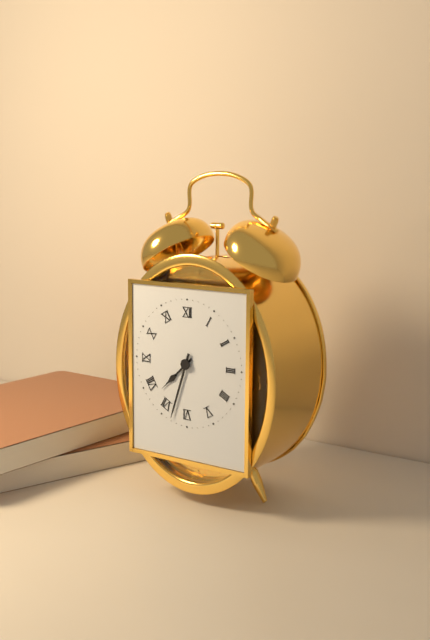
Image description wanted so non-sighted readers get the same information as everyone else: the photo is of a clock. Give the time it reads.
7:33
